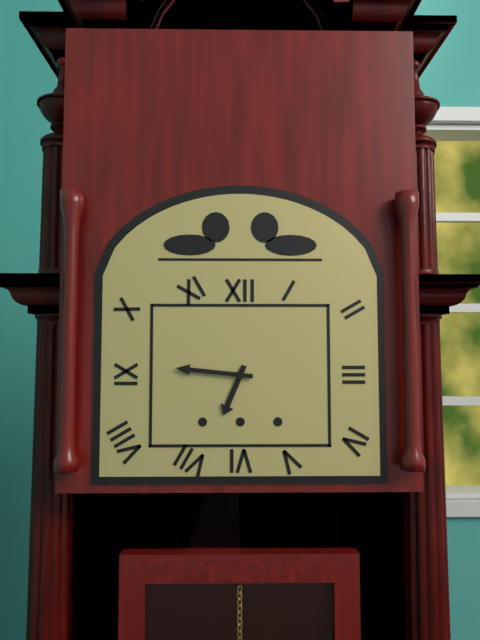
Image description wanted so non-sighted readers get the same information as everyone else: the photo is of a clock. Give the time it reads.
6:46
